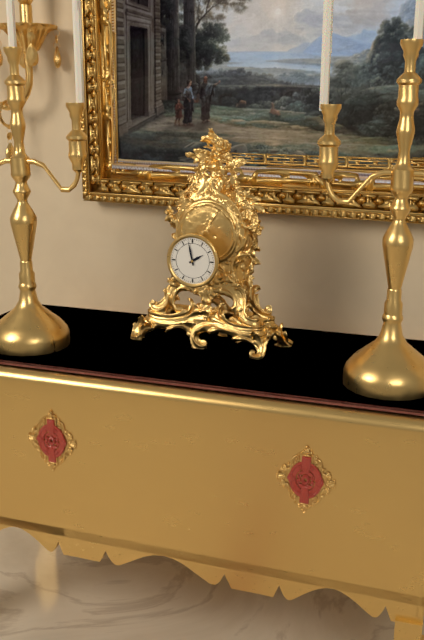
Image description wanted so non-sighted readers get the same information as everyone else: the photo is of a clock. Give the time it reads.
1:58
